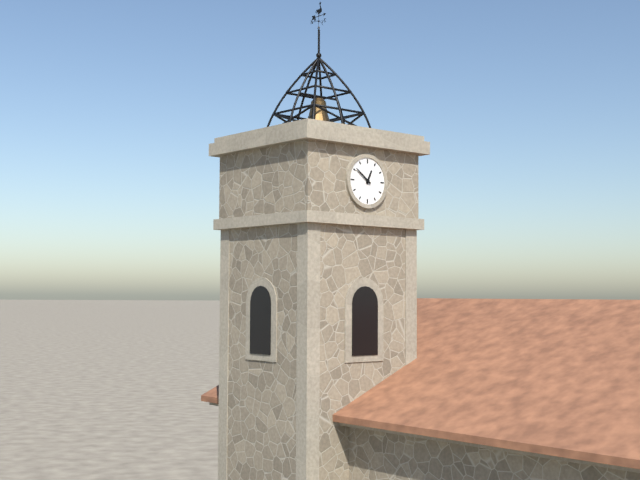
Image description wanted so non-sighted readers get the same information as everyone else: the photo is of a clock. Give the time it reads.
12:51
